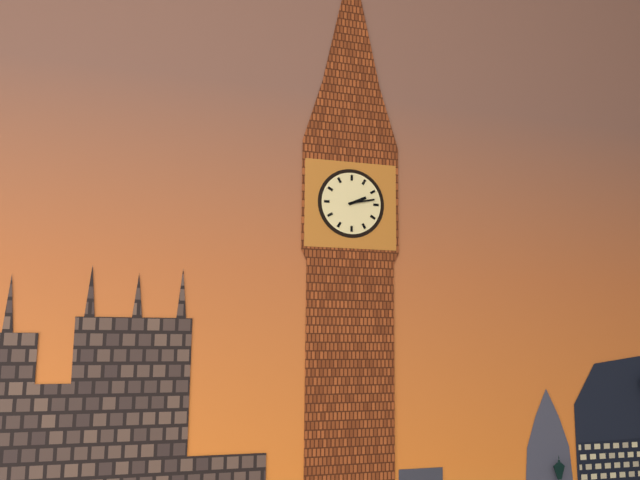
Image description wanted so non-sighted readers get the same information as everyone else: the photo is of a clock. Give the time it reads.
2:13
